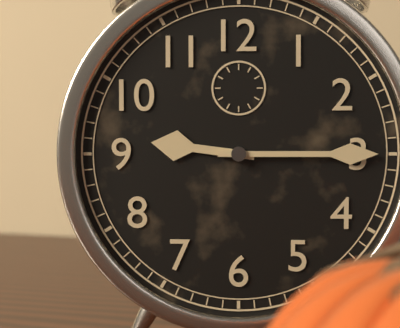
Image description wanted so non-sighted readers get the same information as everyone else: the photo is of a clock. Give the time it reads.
9:15
